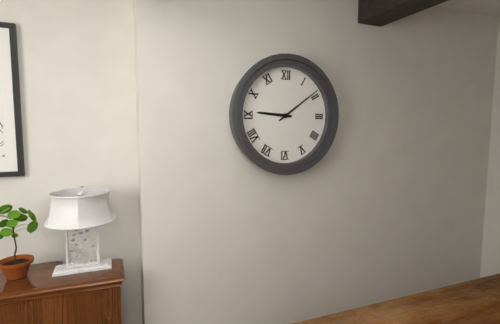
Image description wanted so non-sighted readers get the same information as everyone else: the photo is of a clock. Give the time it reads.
9:09
